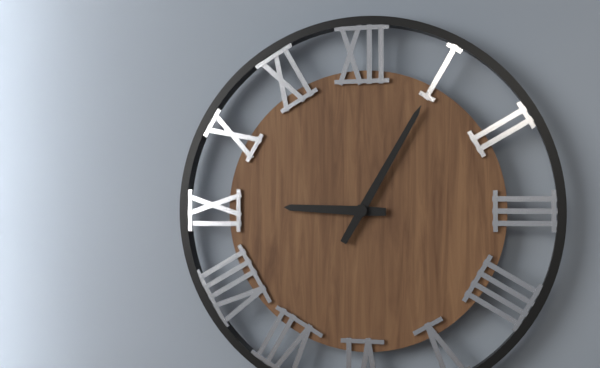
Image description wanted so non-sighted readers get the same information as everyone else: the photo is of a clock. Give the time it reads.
9:05
